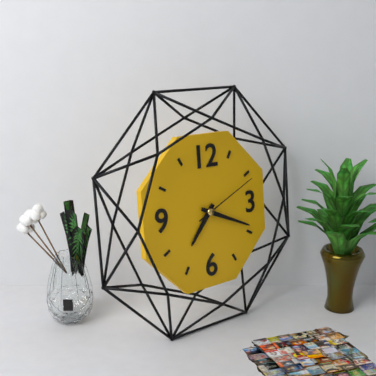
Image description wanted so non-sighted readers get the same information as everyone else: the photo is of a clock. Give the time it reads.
7:19:11
